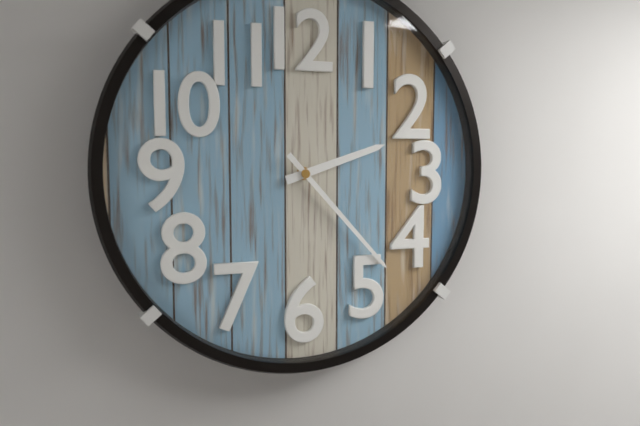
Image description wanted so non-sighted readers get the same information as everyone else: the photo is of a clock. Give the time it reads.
2:23
